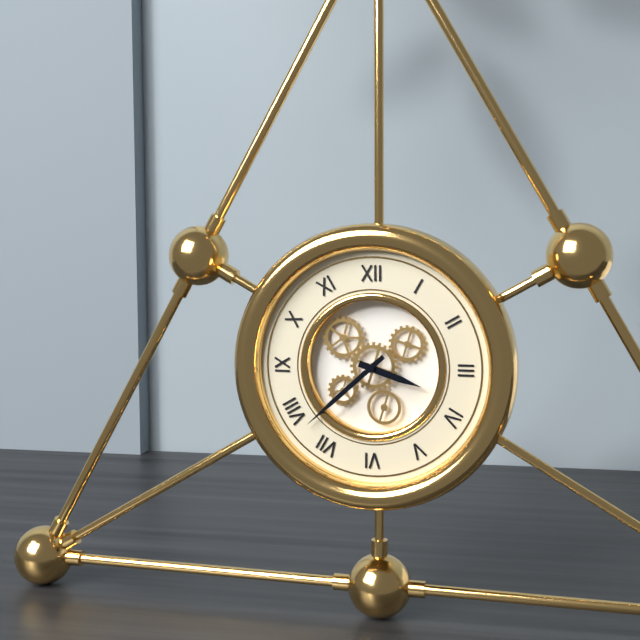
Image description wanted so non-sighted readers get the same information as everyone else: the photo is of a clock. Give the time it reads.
3:38
